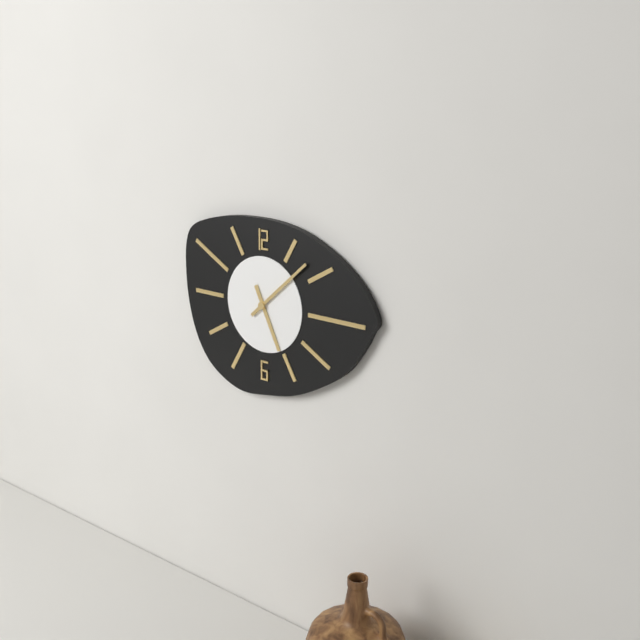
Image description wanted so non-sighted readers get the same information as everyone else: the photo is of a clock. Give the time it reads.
5:08
